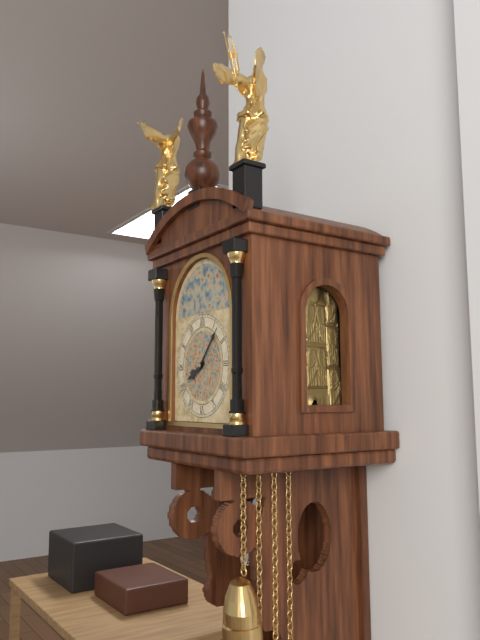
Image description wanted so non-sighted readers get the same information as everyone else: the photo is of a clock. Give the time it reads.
8:07
